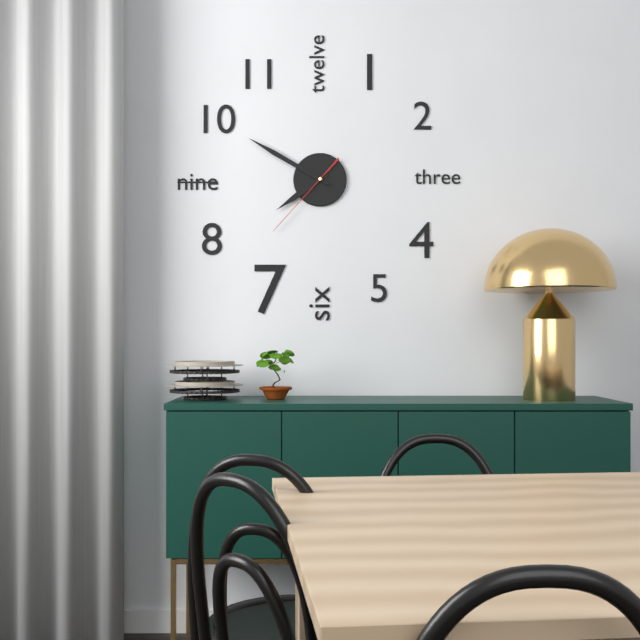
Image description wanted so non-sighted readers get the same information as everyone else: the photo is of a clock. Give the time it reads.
7:50:37
